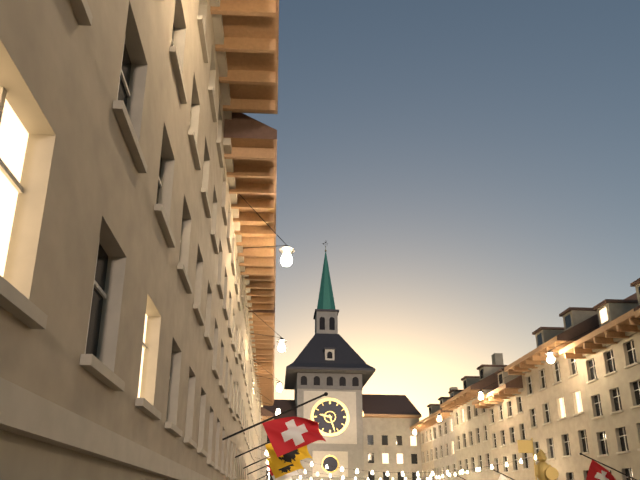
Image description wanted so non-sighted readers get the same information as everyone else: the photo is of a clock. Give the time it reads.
9:27
